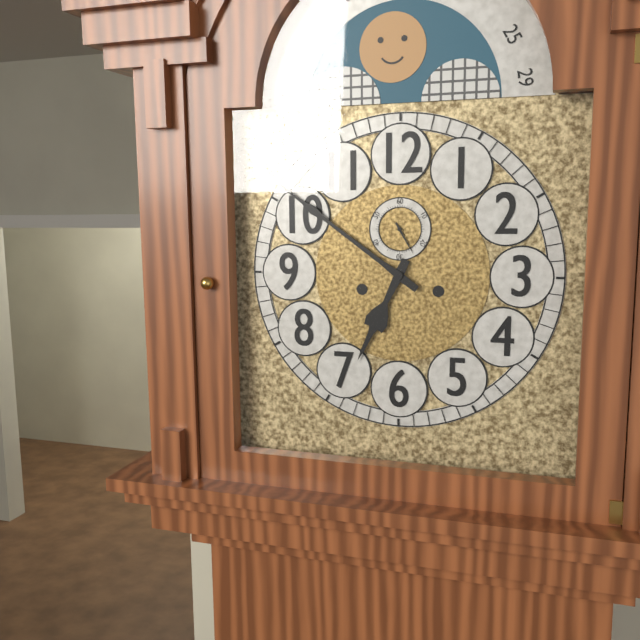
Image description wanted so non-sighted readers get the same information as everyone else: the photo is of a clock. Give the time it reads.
6:51
